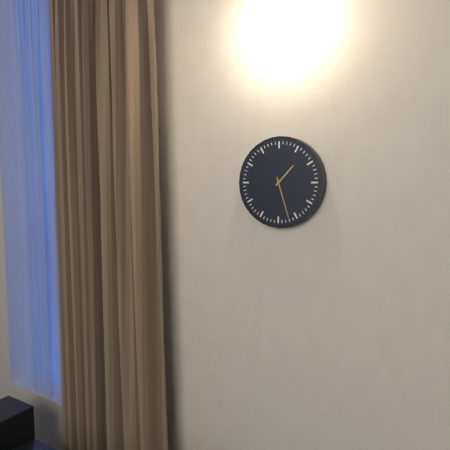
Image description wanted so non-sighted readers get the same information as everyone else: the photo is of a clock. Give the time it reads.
1:27
